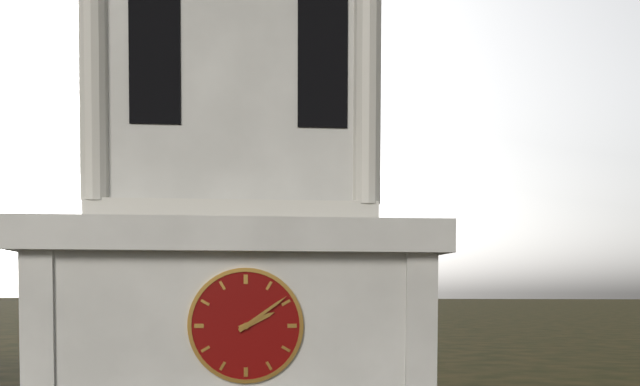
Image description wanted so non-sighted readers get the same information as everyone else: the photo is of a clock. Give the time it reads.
2:09
